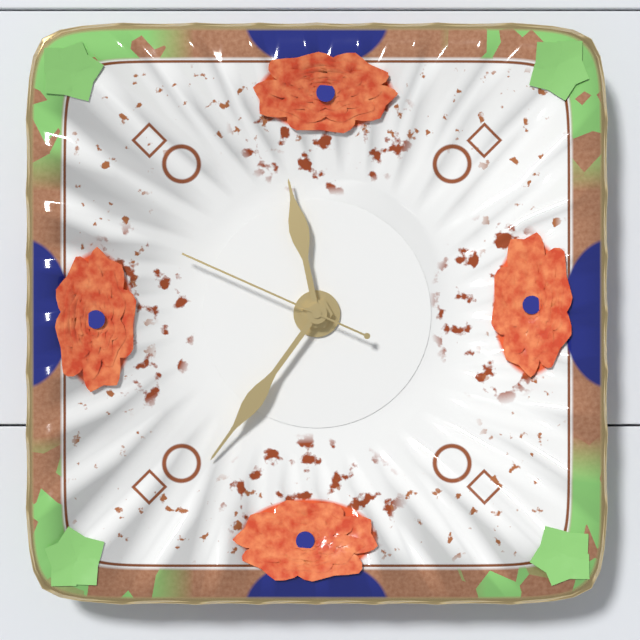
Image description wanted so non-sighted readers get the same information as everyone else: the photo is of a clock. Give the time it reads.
11:36:49
